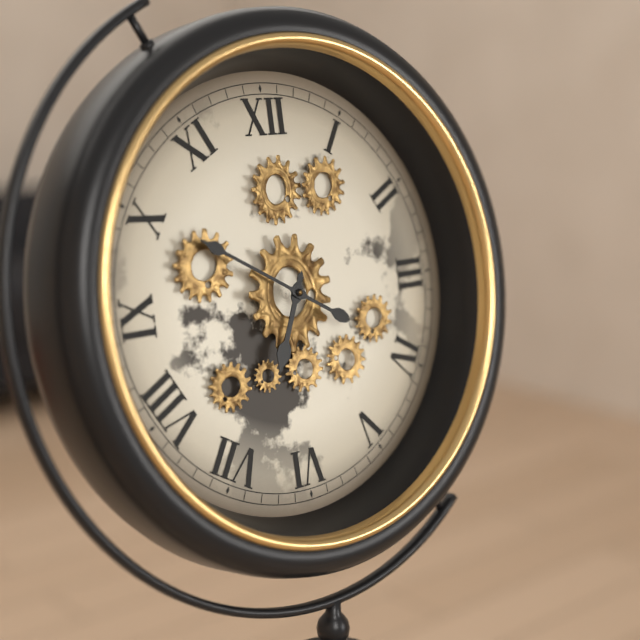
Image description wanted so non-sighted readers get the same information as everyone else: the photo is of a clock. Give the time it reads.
6:50
